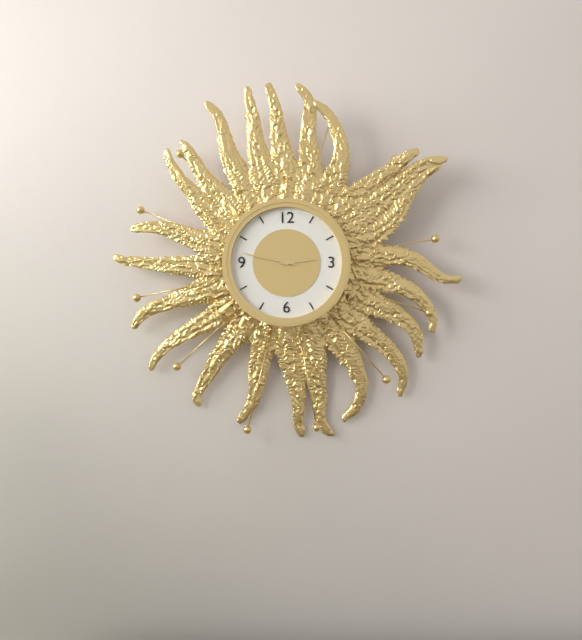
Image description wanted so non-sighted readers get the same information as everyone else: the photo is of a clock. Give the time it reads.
2:47
